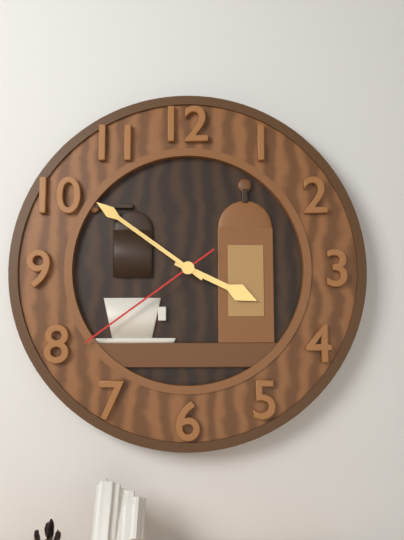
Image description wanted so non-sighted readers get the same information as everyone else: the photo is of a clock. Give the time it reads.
3:51:39
